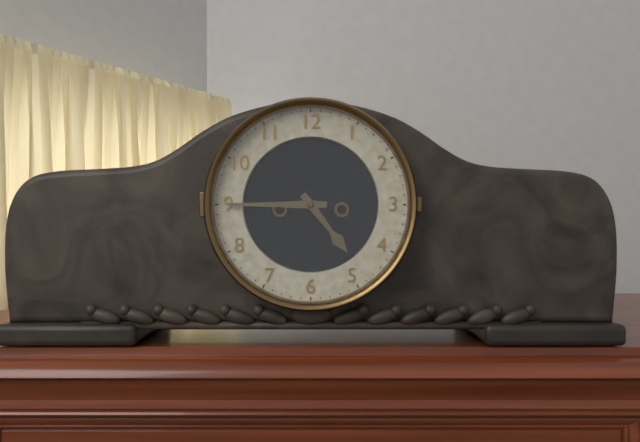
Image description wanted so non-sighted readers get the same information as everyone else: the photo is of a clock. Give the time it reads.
4:45
